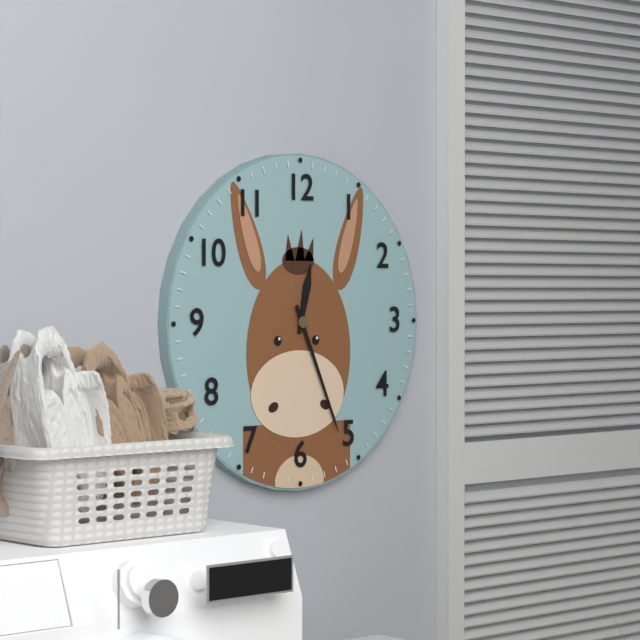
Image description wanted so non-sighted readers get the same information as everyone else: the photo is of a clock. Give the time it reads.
12:26
